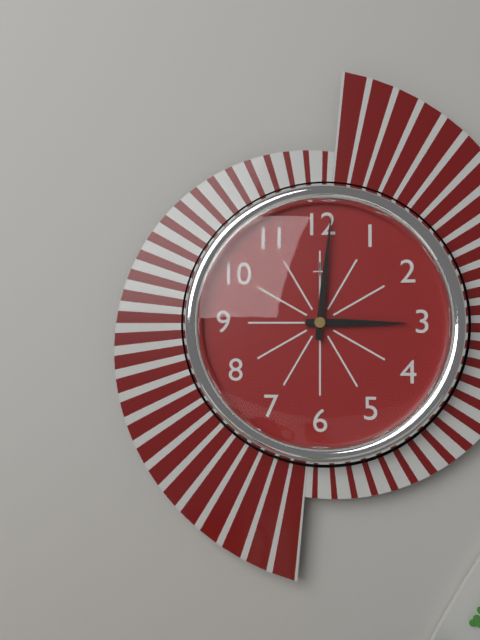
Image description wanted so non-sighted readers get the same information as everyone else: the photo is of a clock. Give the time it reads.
3:01
